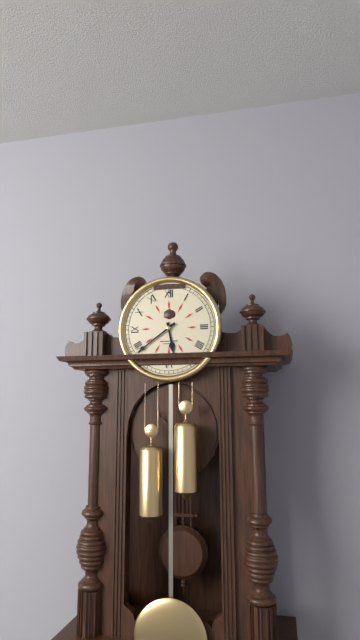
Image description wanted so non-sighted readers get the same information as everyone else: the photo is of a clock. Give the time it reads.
5:39
